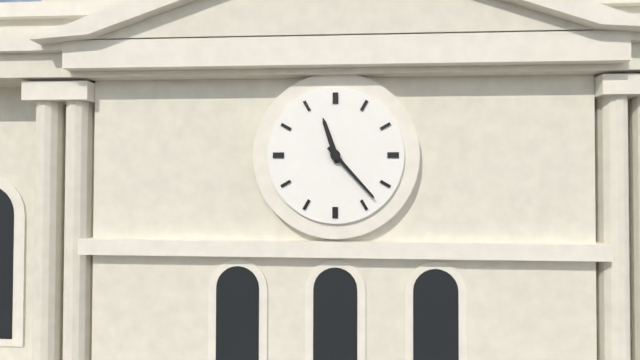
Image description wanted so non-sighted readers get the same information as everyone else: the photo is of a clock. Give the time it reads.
11:23
